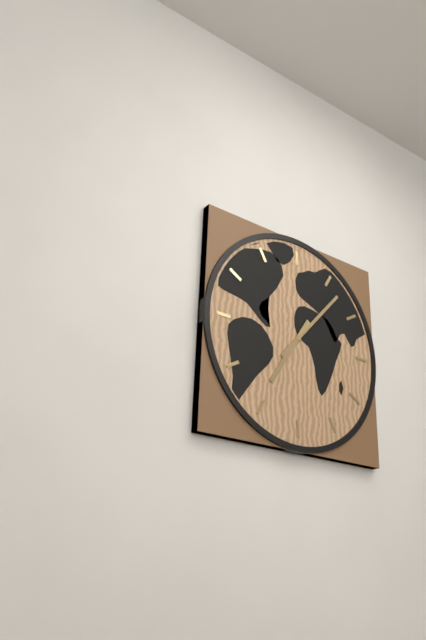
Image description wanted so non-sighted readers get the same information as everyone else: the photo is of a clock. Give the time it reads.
7:07
